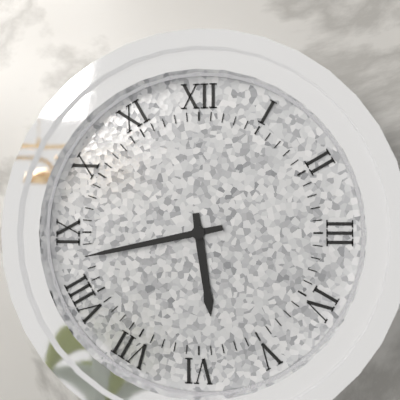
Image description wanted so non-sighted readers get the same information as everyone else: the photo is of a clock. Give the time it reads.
5:43
